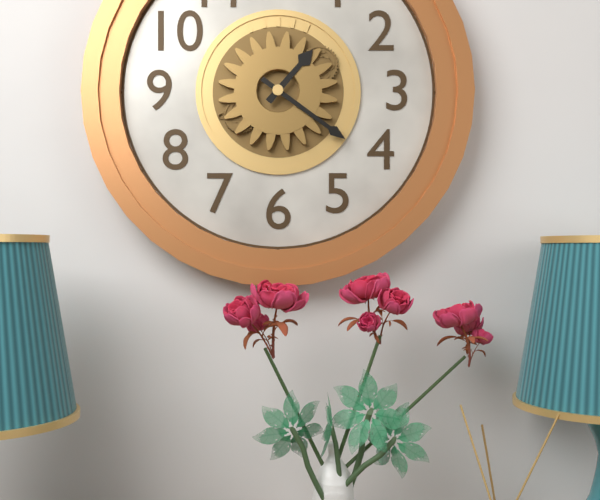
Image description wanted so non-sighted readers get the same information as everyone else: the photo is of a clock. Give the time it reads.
1:21
